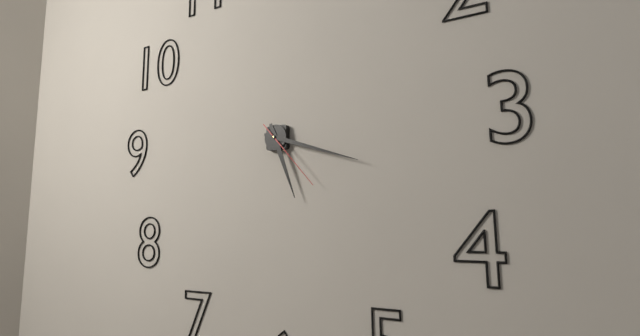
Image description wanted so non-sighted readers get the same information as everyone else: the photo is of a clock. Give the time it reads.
5:18:23
